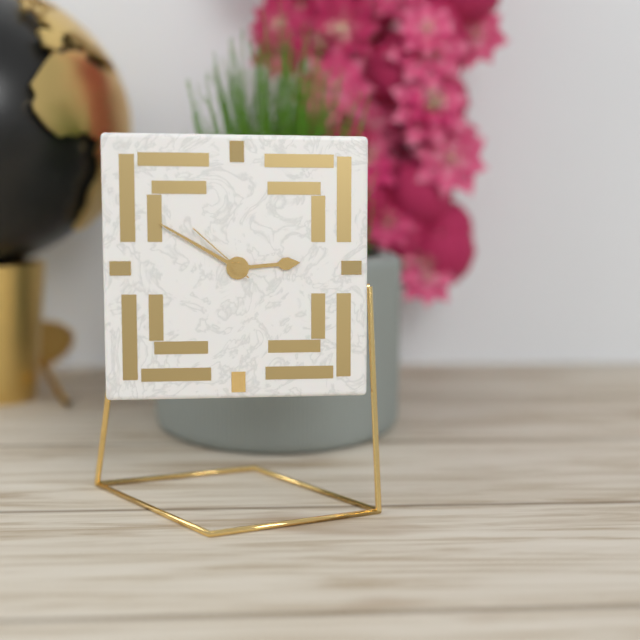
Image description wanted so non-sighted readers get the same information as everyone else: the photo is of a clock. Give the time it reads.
2:50:52
